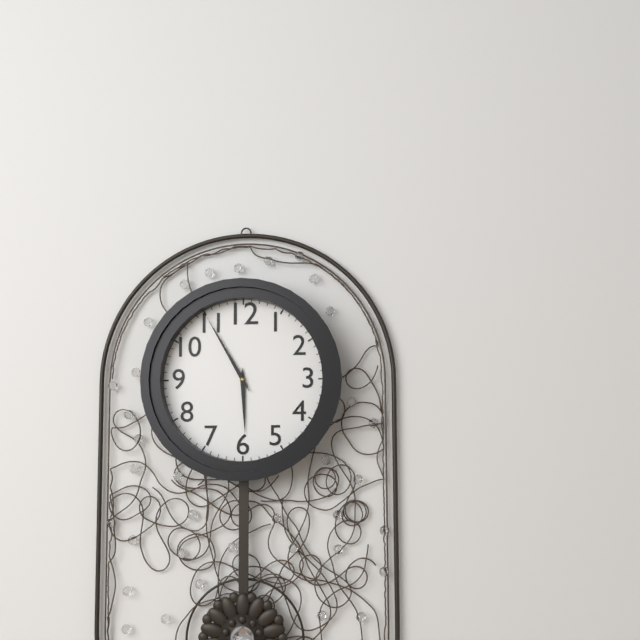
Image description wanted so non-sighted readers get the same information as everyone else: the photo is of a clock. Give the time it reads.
5:55
